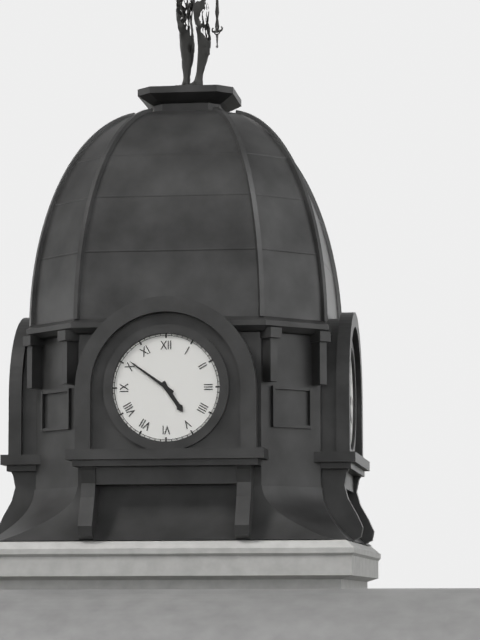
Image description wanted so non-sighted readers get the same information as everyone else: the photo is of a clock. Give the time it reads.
4:51
